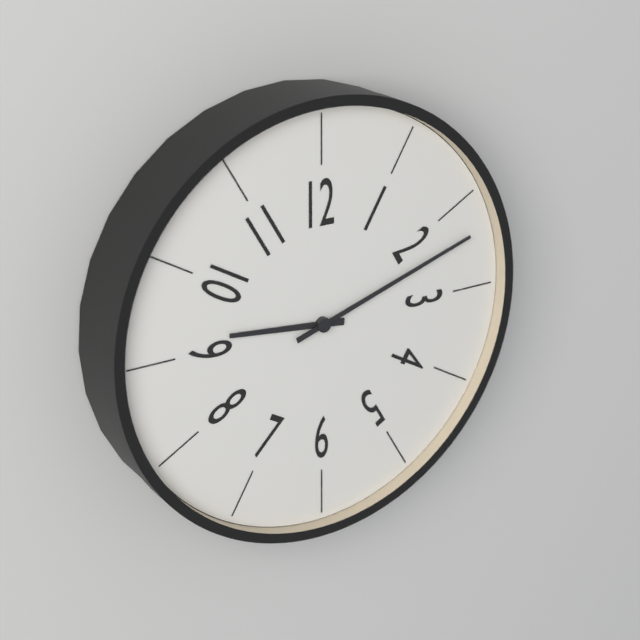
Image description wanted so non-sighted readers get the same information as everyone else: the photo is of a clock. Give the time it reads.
9:12
